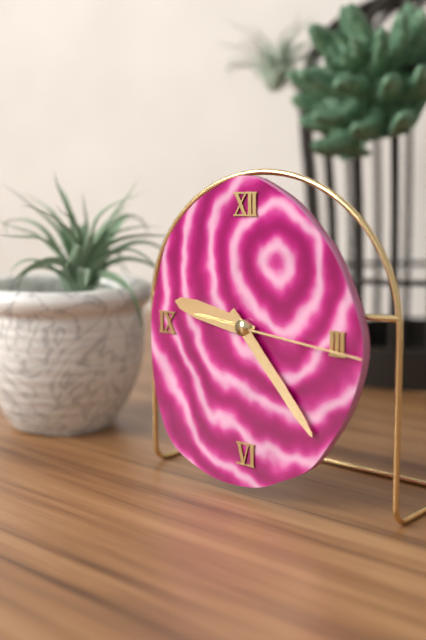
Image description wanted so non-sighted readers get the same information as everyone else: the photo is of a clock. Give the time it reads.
9:23:16
